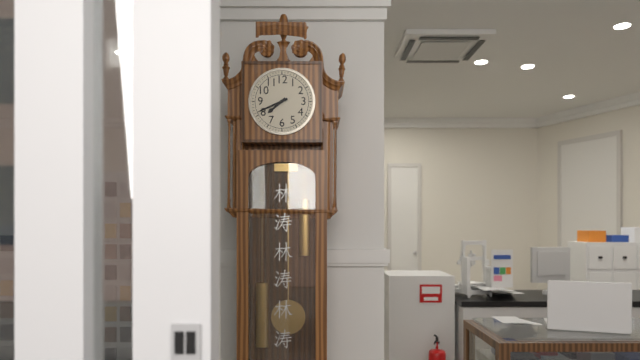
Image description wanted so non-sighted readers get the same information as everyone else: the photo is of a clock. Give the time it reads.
7:41
